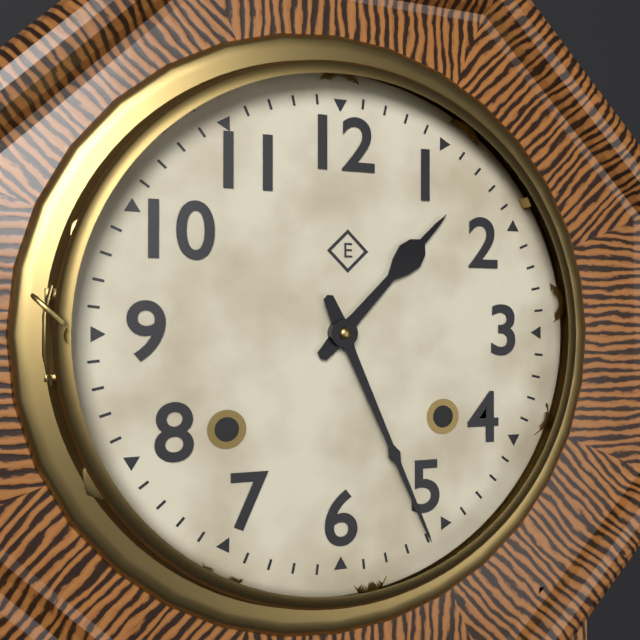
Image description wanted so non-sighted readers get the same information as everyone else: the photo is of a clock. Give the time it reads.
1:26
